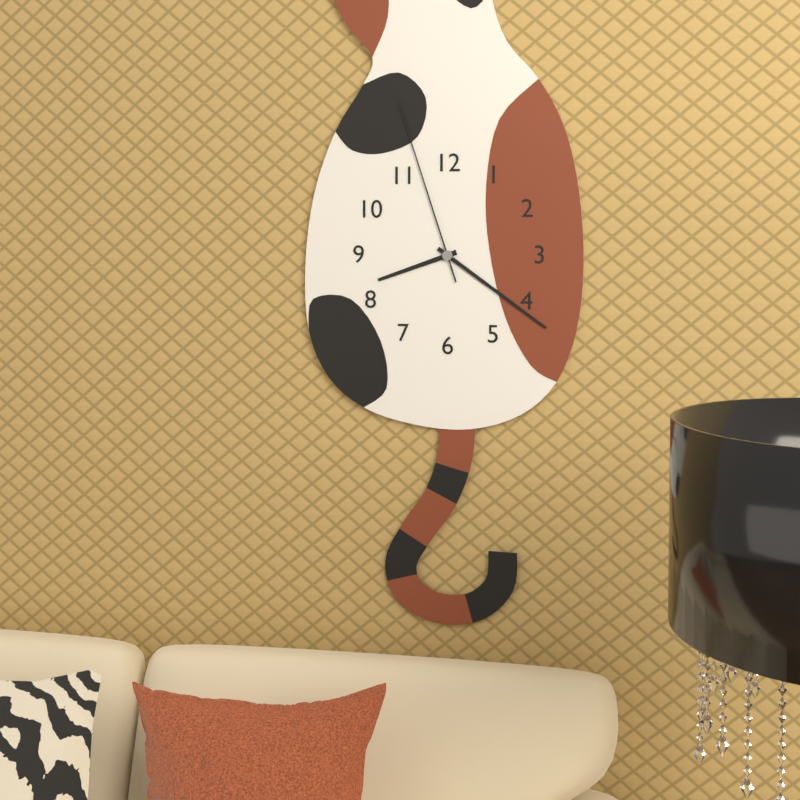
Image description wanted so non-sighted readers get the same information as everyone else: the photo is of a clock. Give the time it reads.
8:21:57
